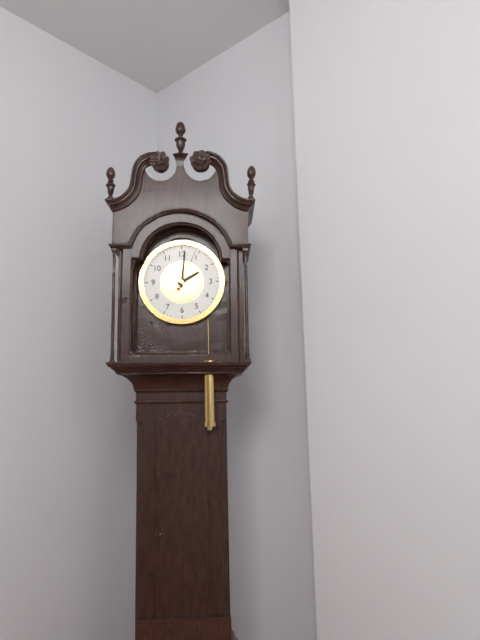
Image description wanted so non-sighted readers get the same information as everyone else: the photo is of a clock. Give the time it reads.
2:01
